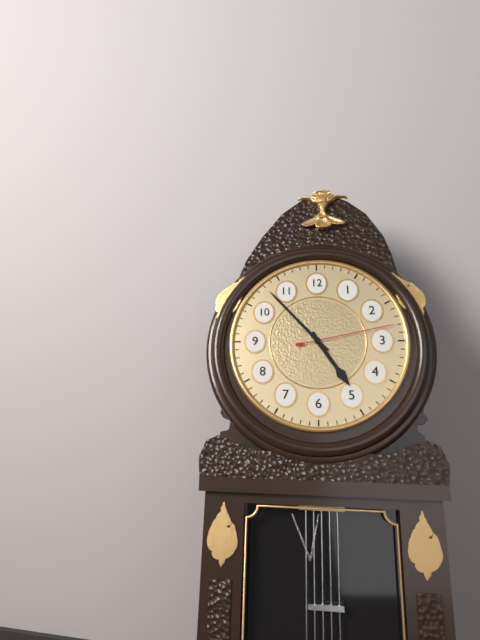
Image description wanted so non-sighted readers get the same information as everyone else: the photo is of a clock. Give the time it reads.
4:53:13
